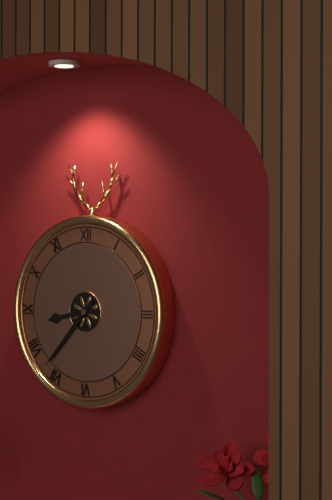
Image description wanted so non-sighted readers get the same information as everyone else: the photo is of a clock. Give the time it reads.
8:37
